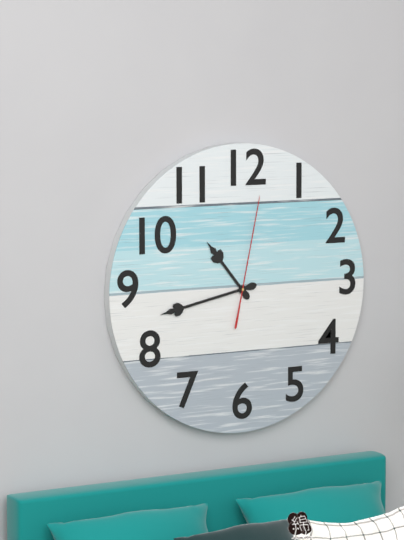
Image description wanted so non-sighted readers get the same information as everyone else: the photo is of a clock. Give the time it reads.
10:43:02
